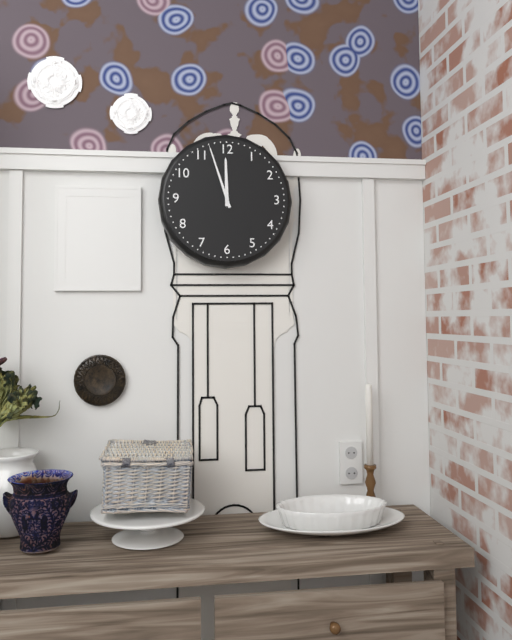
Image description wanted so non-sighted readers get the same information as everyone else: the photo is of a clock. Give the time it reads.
11:57
